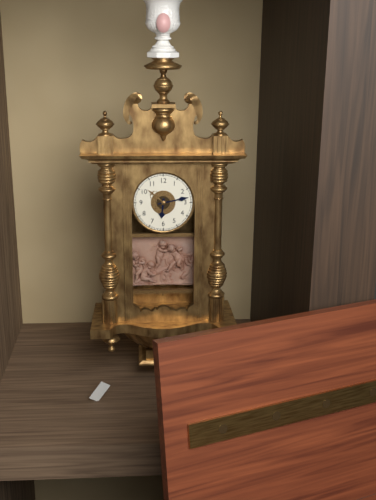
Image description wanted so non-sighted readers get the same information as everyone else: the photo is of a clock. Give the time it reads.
6:13
